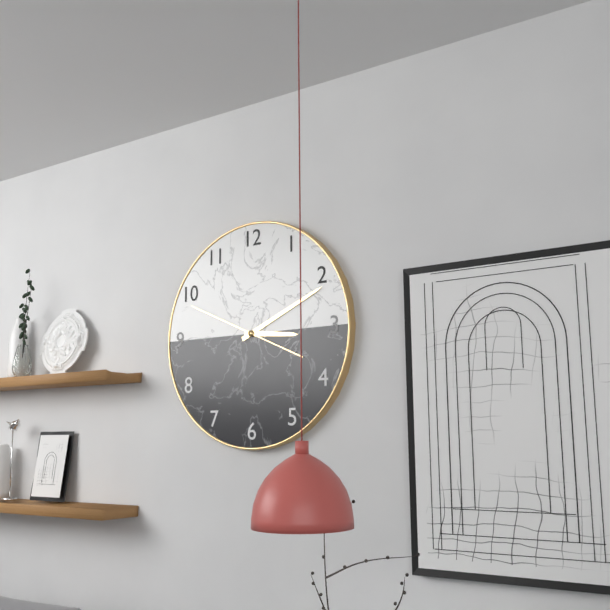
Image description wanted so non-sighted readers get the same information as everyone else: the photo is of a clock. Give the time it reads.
3:11:49
